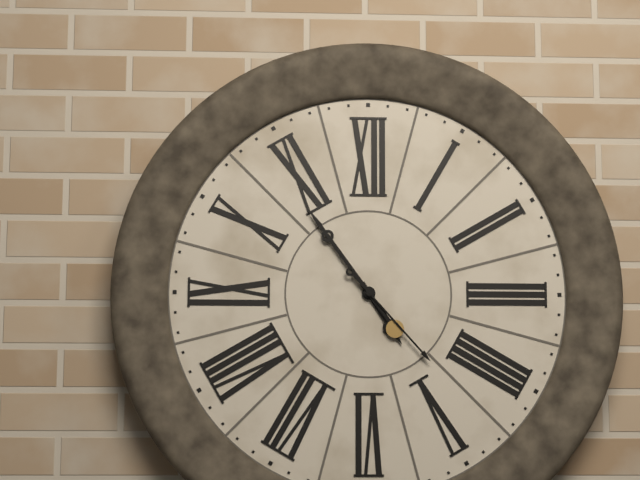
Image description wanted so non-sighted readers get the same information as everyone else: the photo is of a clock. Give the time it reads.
4:54:23
